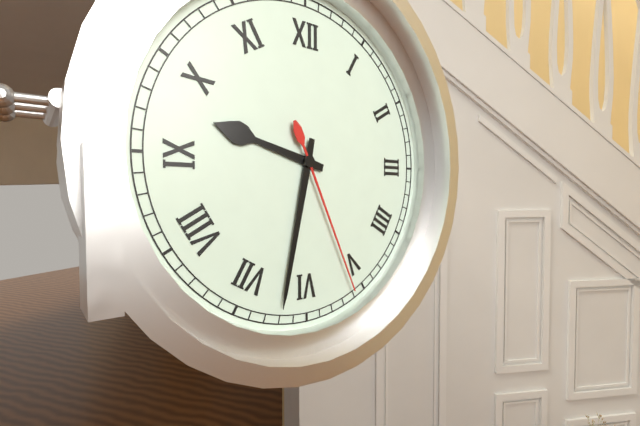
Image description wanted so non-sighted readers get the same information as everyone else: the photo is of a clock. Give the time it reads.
9:32:26
